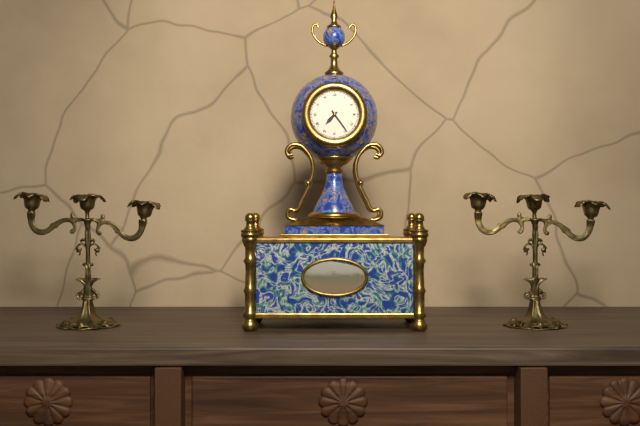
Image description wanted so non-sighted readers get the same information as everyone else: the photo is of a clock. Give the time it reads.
7:24
